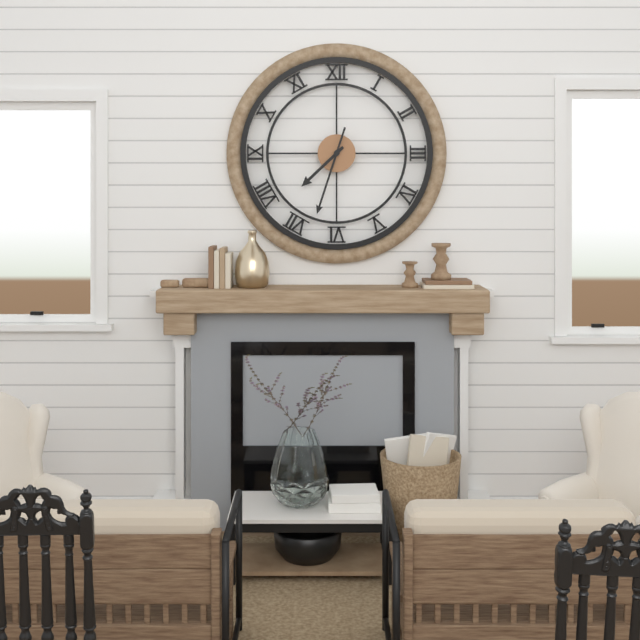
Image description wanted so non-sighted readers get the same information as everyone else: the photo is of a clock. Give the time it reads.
7:33
